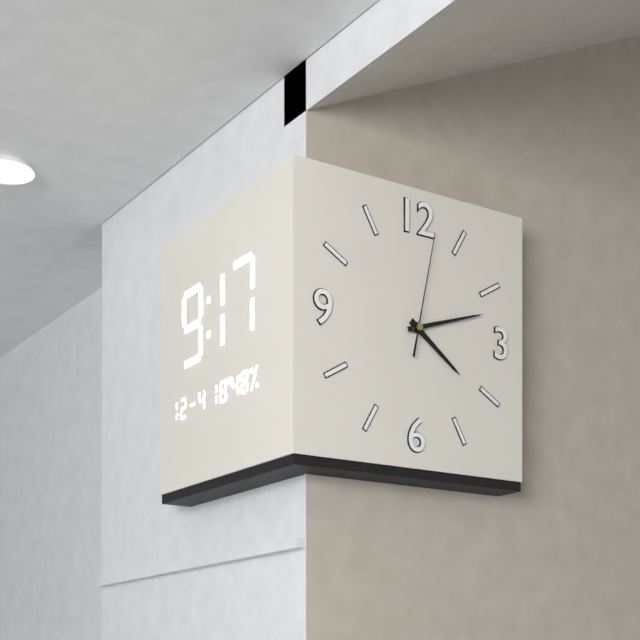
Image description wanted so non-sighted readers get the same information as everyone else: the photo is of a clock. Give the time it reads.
4:12:02
